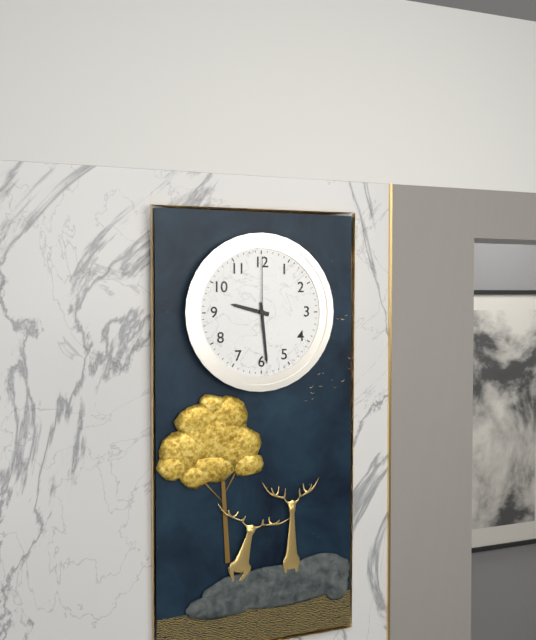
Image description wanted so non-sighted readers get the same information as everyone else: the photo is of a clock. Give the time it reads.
9:29:00
